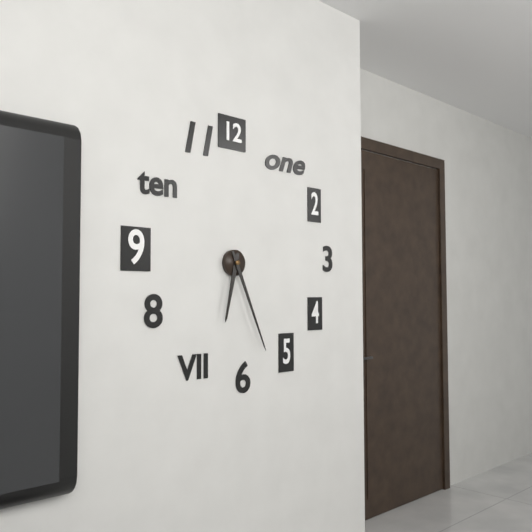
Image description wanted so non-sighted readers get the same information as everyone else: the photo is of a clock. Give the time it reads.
6:26
